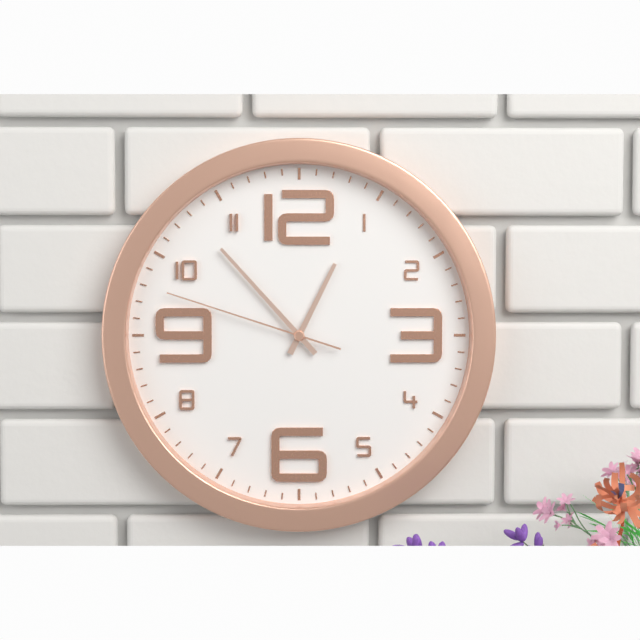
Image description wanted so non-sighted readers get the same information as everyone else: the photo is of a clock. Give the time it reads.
12:53:48
